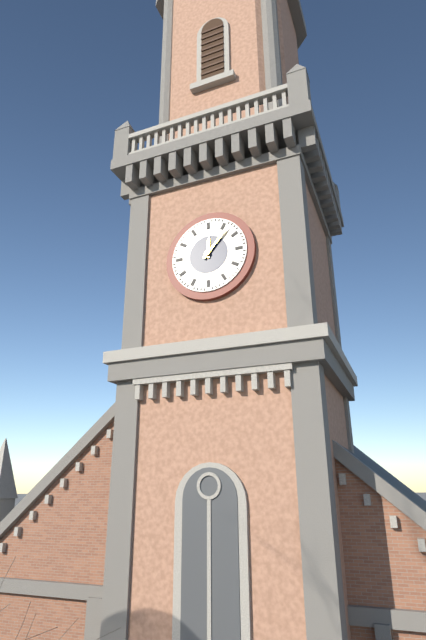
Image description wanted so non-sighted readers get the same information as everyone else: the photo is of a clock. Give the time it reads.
12:07
